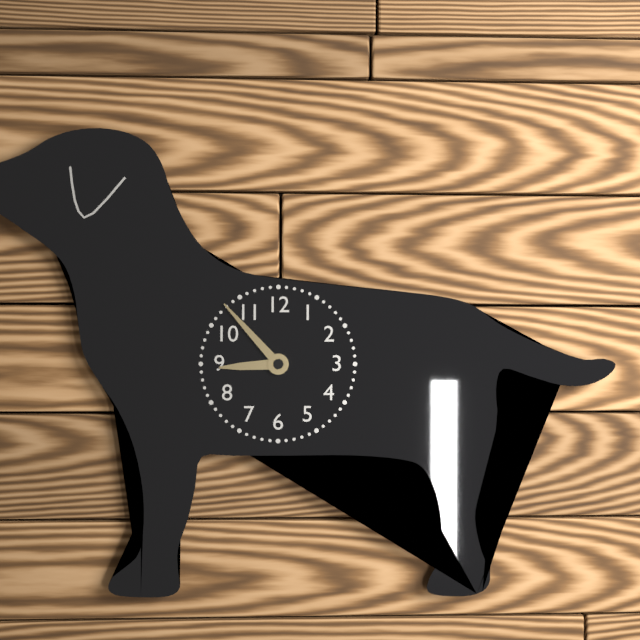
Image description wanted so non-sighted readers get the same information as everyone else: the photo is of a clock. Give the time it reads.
8:53
